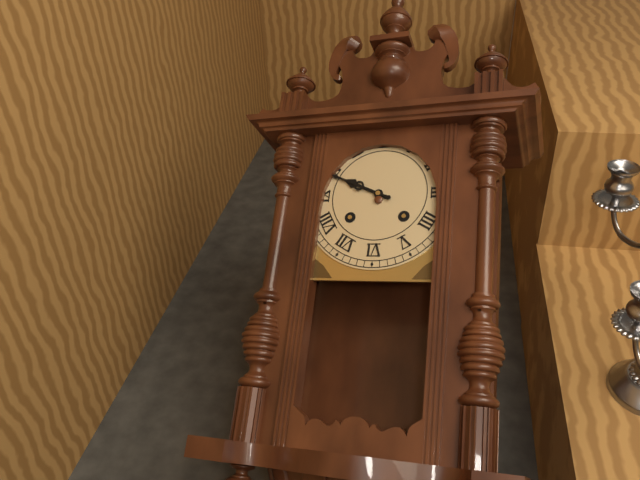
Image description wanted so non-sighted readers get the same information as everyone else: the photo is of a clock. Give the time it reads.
9:49
